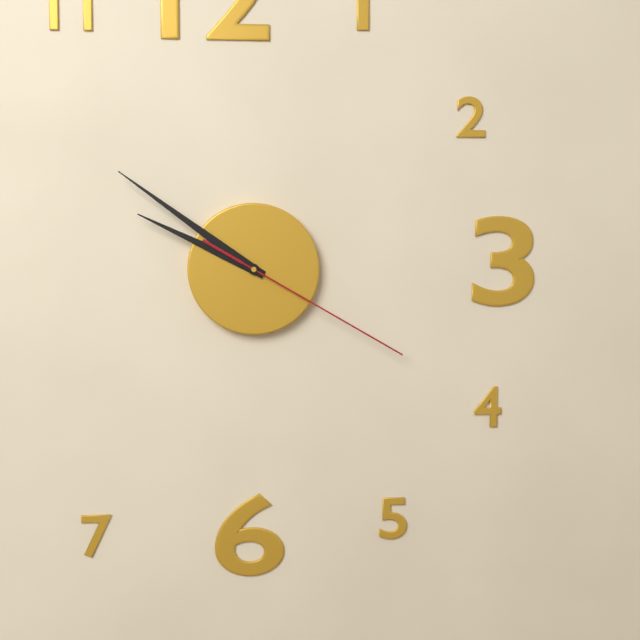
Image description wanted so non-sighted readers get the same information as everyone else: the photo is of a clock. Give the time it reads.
9:51:20
